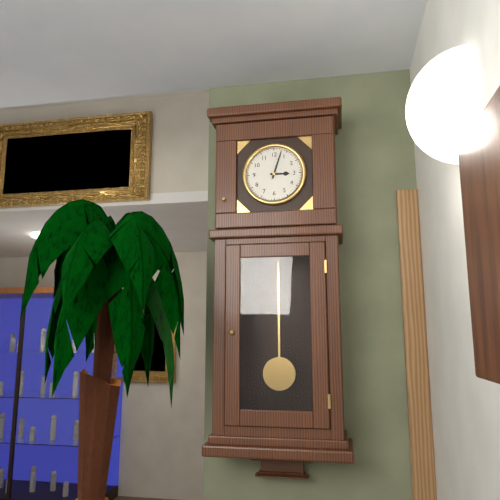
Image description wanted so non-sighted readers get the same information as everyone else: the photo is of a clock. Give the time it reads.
3:03
